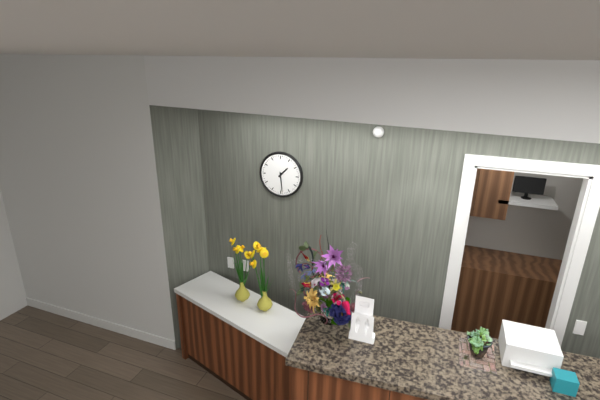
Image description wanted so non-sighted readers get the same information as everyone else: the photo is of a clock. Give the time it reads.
1:29
